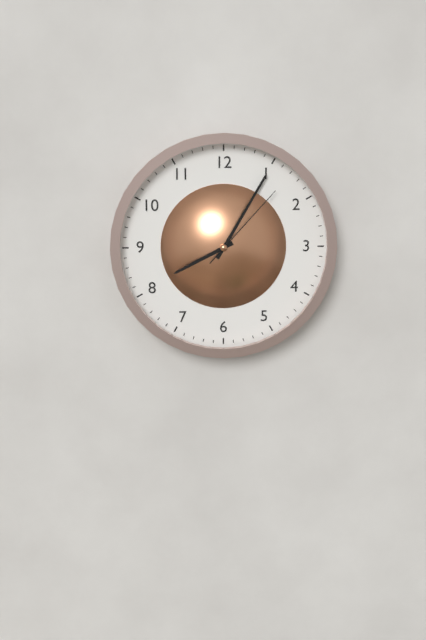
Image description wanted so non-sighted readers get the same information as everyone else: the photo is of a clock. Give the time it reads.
8:05:07
